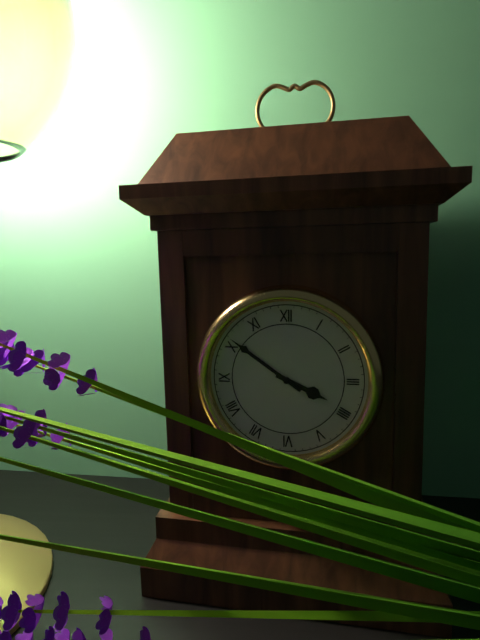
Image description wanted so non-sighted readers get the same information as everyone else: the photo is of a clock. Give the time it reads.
3:51
